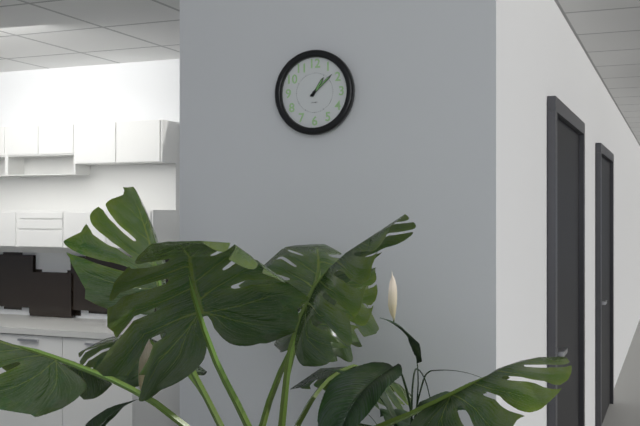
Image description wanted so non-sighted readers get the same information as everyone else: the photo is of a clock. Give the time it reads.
1:08
